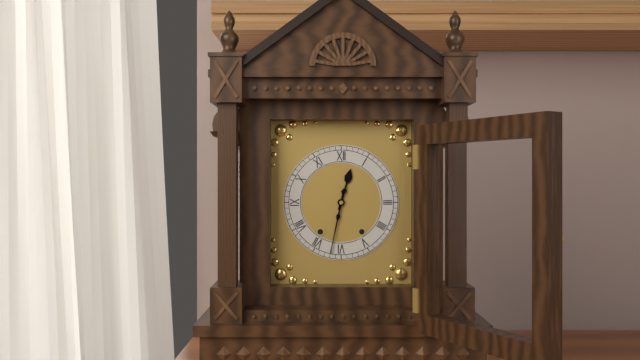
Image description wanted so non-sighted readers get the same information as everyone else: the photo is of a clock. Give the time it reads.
12:32
